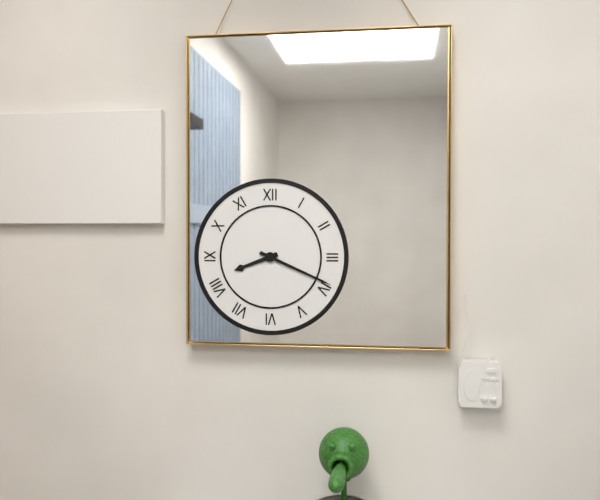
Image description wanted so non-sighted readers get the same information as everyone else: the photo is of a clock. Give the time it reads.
8:19
